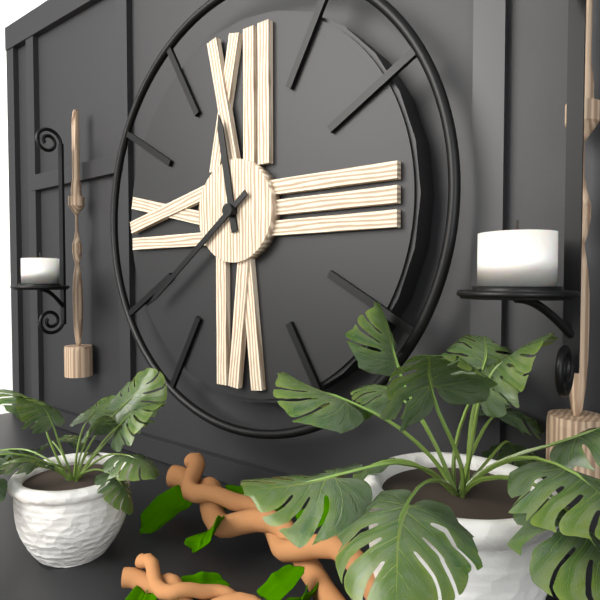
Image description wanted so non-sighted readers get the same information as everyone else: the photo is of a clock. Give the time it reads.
11:39
